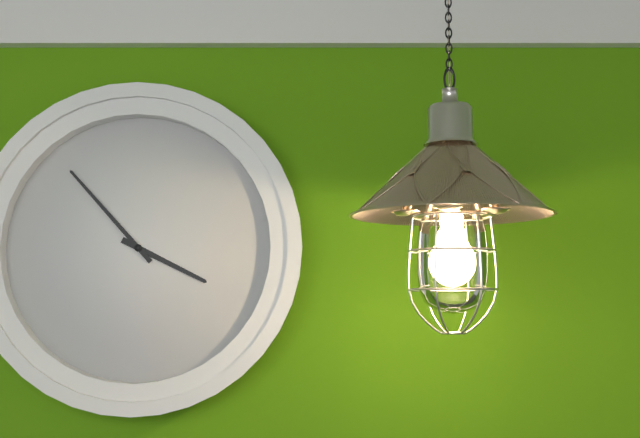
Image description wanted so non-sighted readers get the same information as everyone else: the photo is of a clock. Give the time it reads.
3:53
